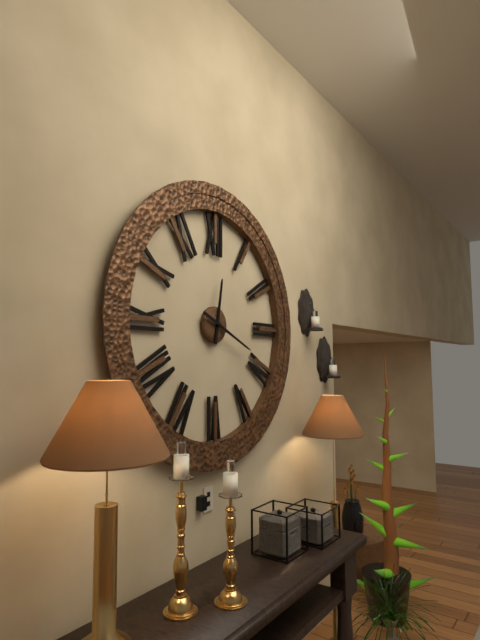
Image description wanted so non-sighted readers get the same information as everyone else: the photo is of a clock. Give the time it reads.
12:19
